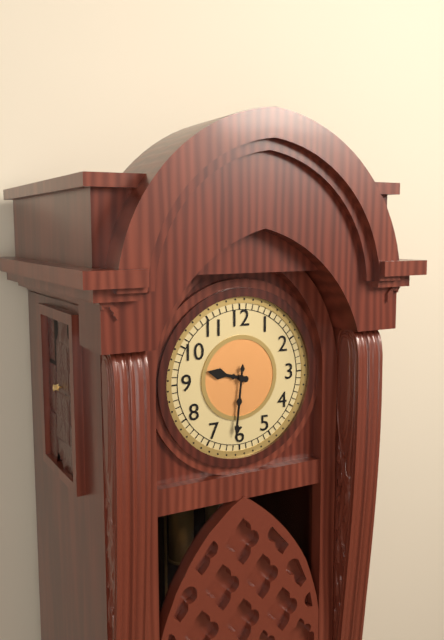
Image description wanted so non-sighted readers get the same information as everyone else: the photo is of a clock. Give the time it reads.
9:31
